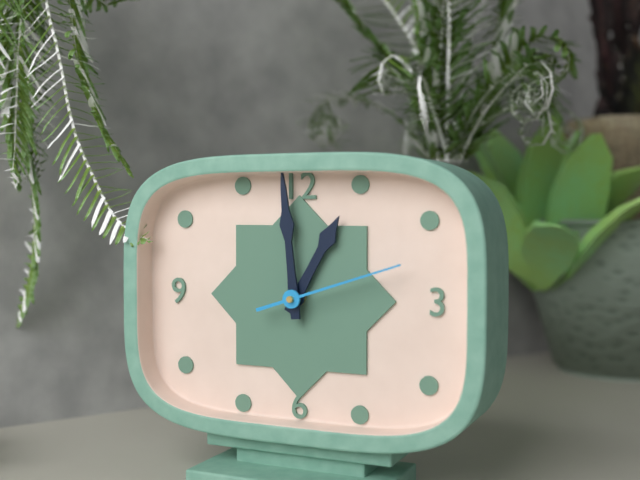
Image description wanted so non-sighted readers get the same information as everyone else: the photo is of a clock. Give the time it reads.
12:59:12
